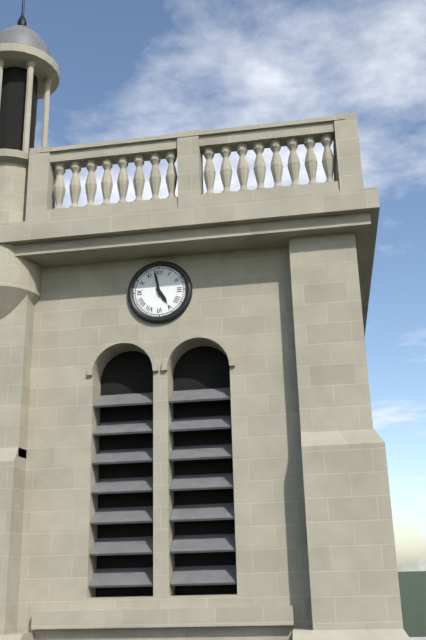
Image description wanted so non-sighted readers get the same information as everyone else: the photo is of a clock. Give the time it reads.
4:58
